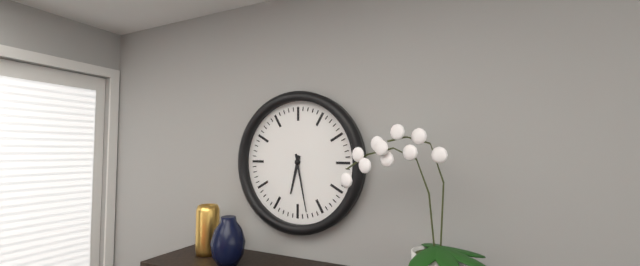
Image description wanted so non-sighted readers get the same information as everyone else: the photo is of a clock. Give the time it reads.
6:28
